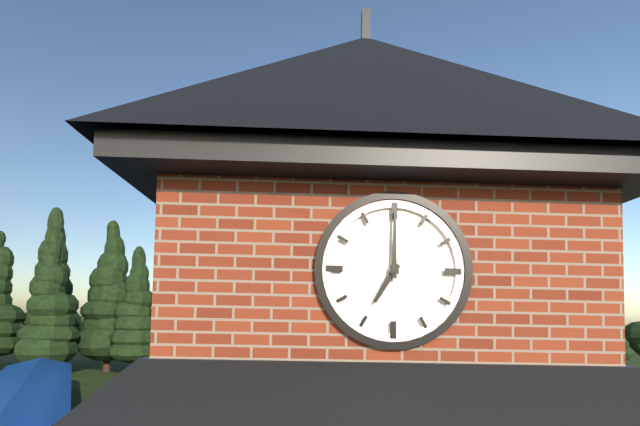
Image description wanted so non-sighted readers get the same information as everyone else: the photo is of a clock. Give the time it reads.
7:00
